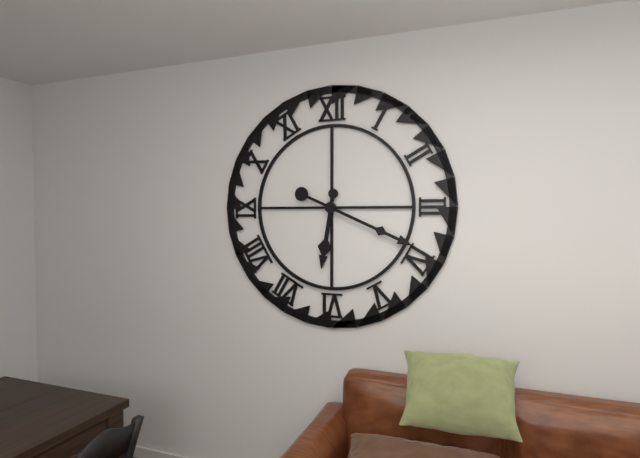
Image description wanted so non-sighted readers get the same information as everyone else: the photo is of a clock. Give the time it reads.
6:19
